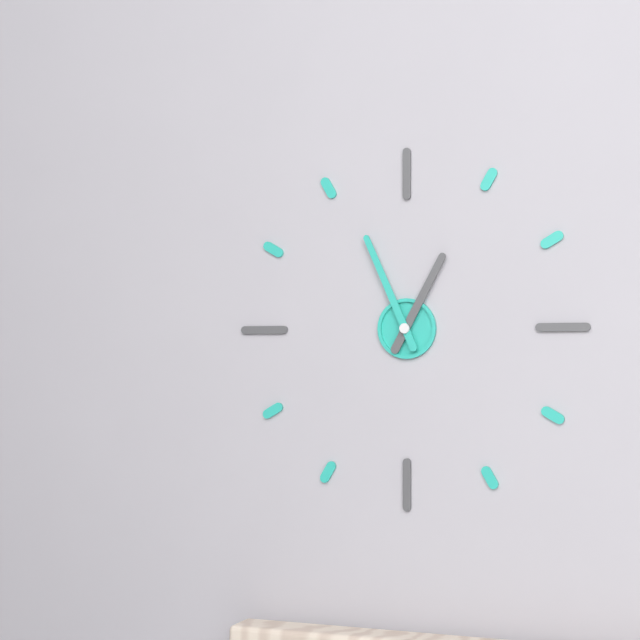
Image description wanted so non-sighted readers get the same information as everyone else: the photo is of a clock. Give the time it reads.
12:56
